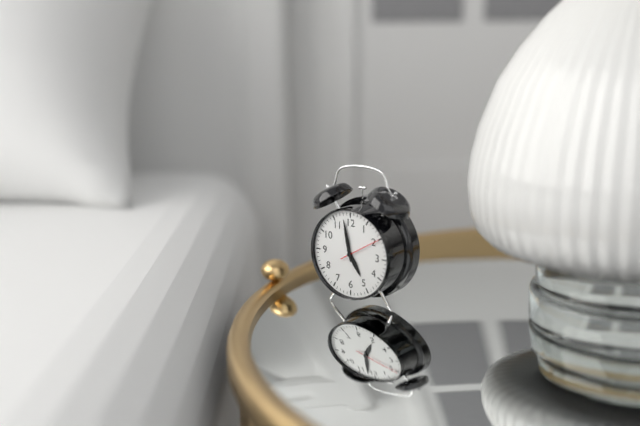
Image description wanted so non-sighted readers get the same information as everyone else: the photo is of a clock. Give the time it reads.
4:58
